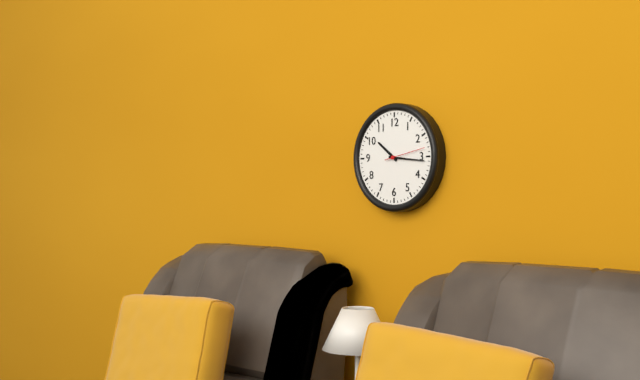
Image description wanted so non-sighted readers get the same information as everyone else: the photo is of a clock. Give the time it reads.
10:16
